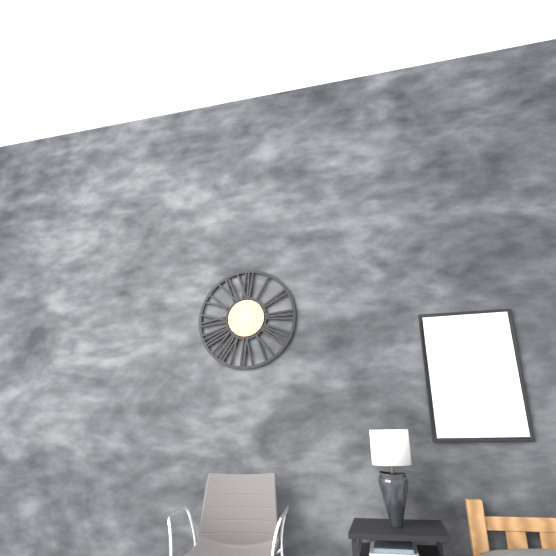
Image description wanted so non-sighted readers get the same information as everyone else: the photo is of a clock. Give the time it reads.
11:52
